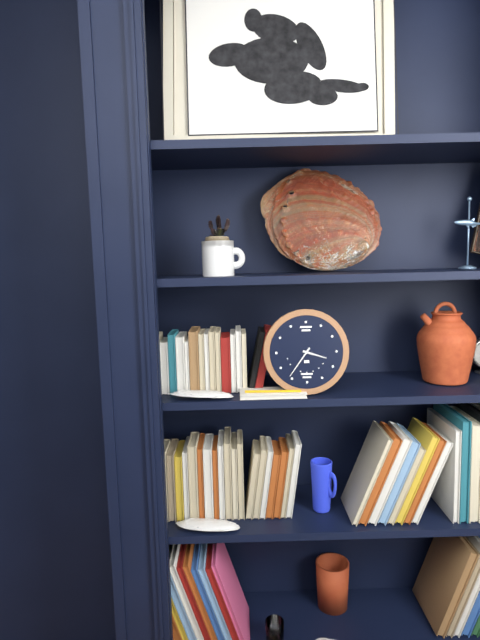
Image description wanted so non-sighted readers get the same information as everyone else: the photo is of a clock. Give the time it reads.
3:36
